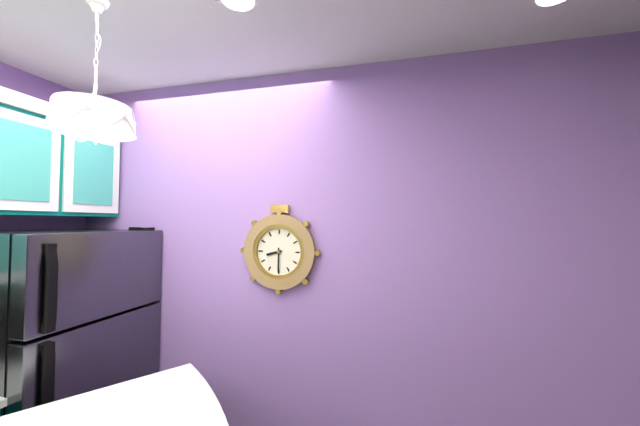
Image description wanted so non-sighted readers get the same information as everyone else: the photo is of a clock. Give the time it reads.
8:30
